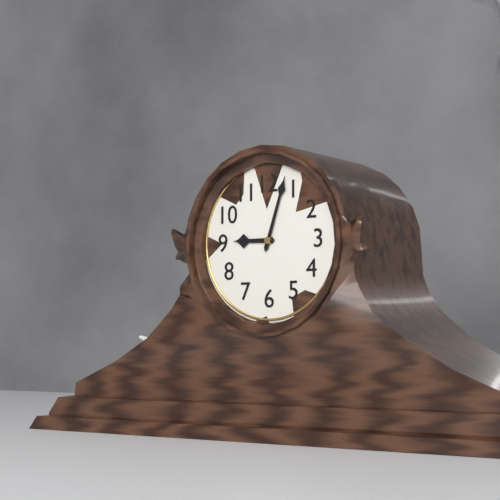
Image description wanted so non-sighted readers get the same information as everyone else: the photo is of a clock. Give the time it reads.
9:03
